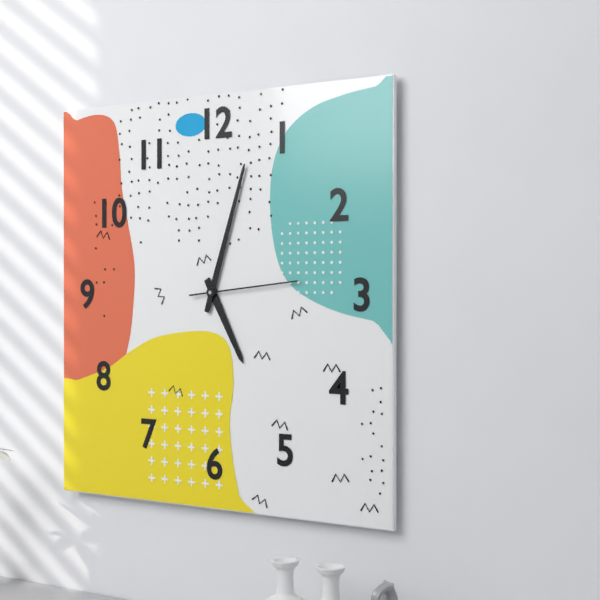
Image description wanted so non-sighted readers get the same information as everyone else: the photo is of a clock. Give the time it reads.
5:03:14
